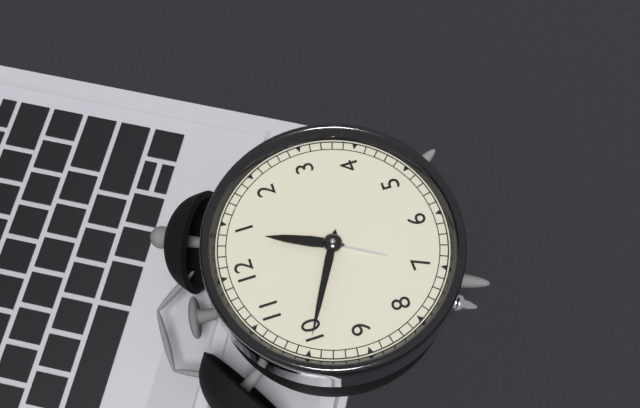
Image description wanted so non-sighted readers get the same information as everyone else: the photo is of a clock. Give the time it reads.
12:50
